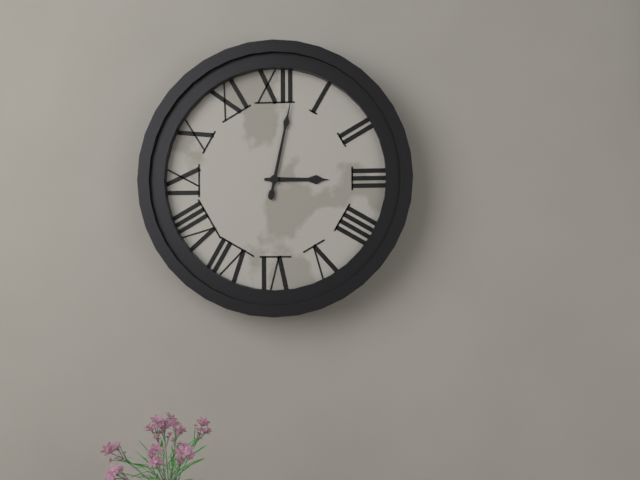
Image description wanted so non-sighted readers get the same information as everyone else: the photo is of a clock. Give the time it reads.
3:02
